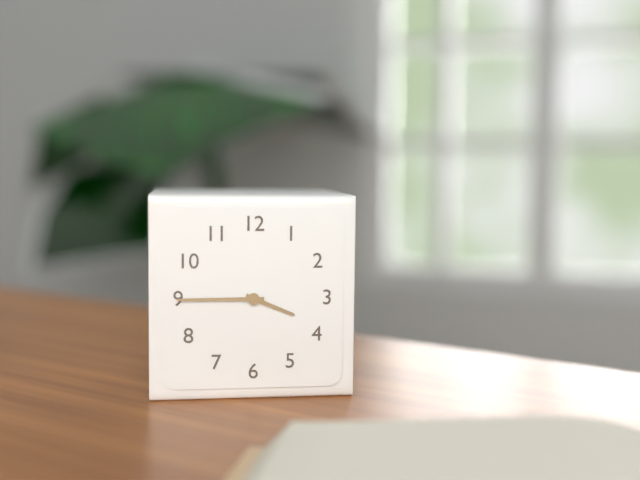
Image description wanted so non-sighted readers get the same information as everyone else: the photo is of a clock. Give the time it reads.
3:45
